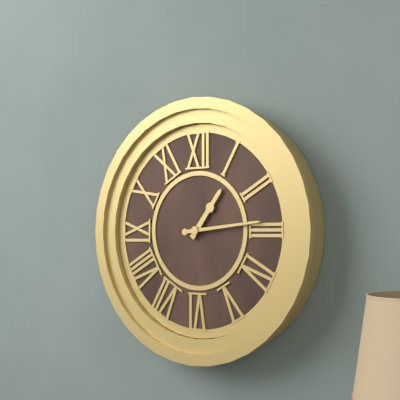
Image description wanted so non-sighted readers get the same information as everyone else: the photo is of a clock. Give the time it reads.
1:14
